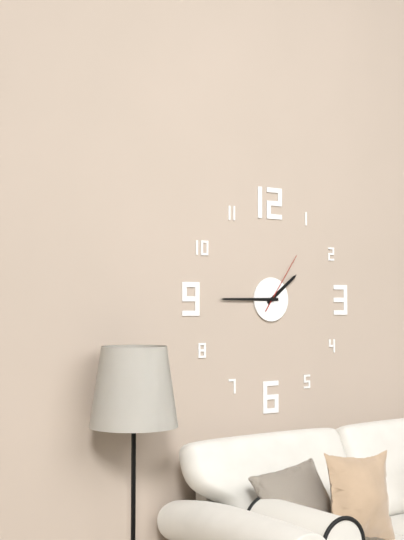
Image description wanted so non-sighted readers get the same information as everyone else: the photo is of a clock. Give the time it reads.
1:45:06
